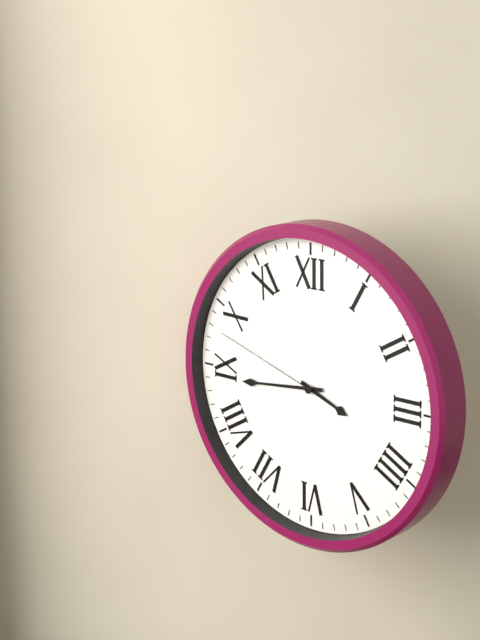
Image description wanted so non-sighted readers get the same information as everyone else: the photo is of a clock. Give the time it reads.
3:44:48
